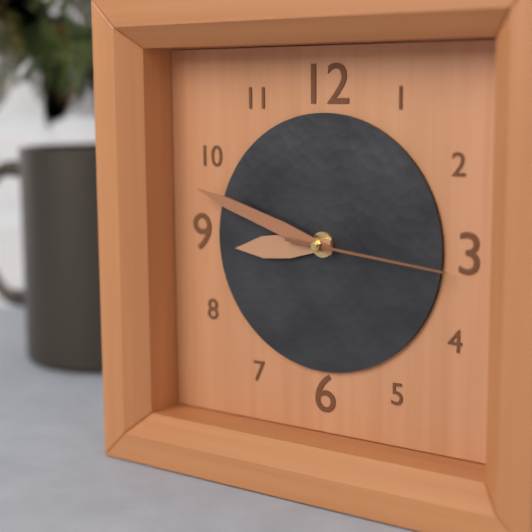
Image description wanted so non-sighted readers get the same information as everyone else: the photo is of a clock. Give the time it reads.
8:48:16
